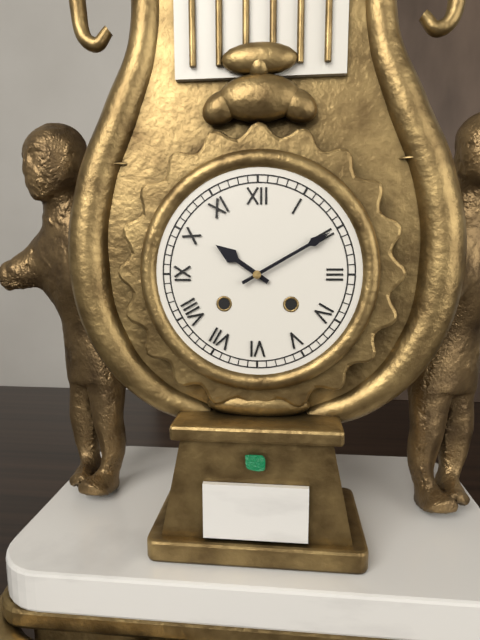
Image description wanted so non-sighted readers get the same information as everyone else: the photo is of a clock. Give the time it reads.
10:10
